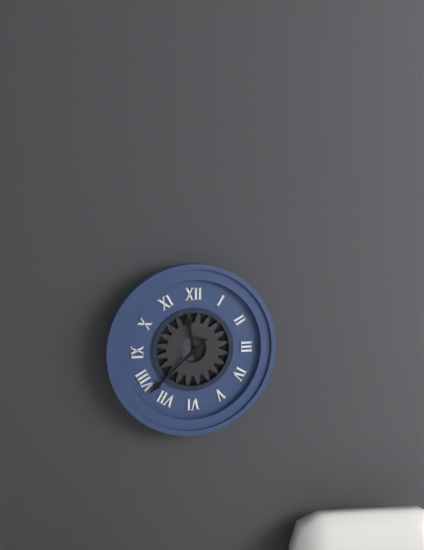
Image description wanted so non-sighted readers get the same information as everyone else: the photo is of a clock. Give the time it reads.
11:38
